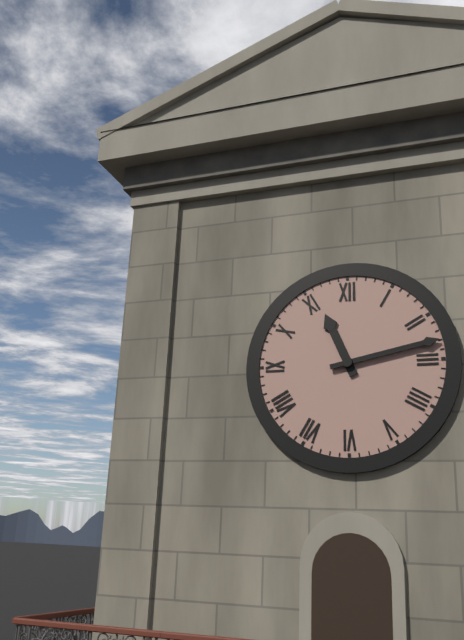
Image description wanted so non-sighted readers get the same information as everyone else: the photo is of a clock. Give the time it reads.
11:13
